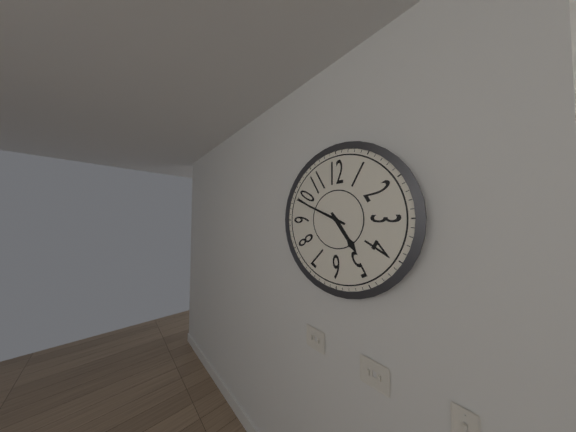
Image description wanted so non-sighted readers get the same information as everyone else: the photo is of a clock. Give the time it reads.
4:49
